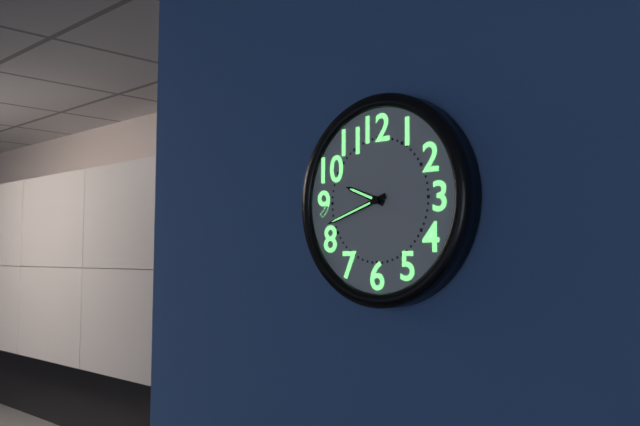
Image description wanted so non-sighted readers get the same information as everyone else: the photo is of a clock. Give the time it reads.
9:42
